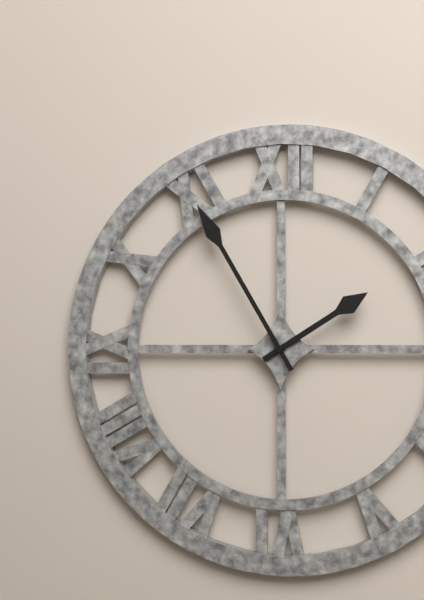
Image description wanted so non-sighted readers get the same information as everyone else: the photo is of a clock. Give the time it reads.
1:55
